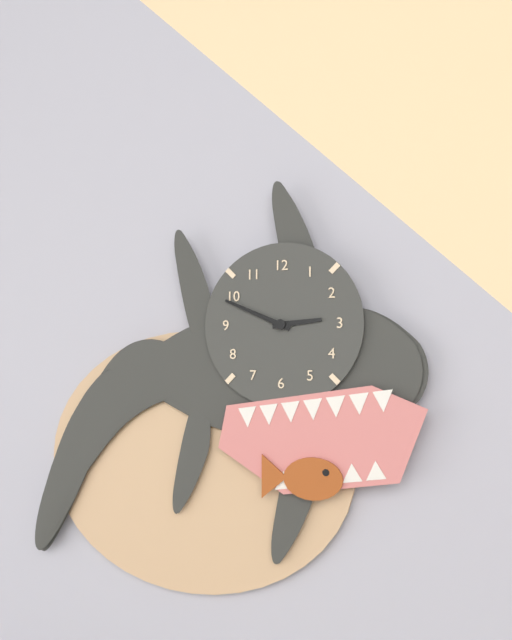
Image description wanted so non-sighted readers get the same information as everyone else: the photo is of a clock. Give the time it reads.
2:49
